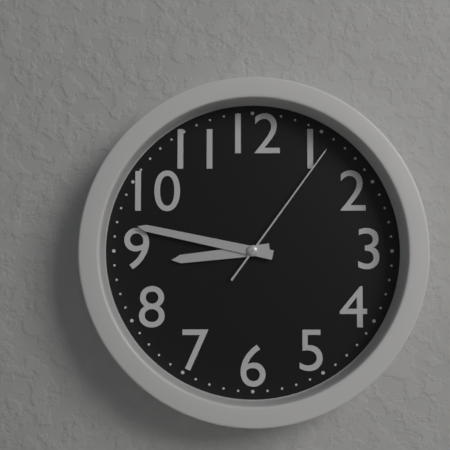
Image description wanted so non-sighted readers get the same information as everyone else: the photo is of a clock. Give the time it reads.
8:47:06
